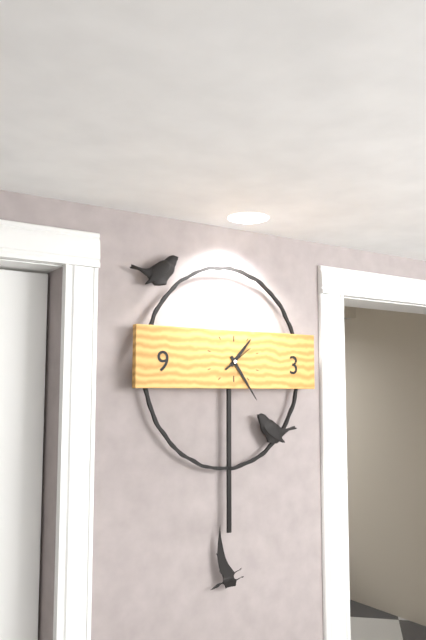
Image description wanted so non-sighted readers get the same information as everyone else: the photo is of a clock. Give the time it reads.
1:24
